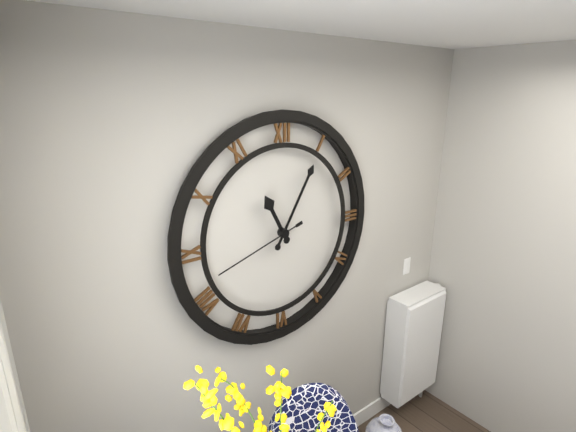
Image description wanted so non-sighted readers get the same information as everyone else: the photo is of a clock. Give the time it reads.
11:05:42
